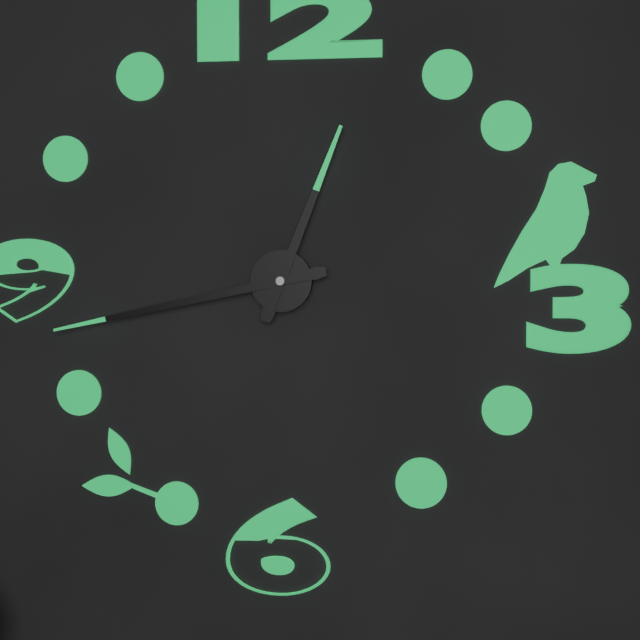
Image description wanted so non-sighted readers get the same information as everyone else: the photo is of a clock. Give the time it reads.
12:43
